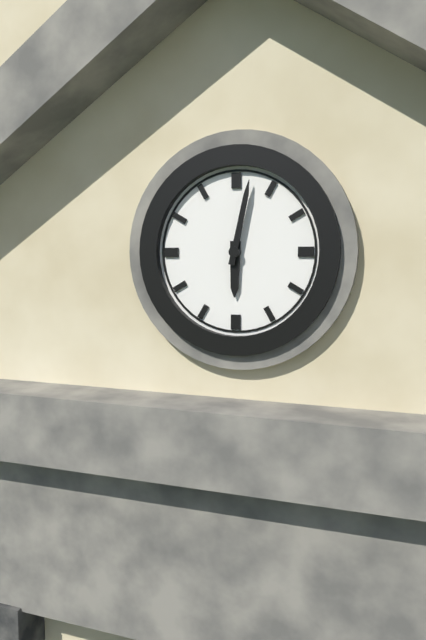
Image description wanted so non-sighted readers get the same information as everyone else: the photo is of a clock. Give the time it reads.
6:02
